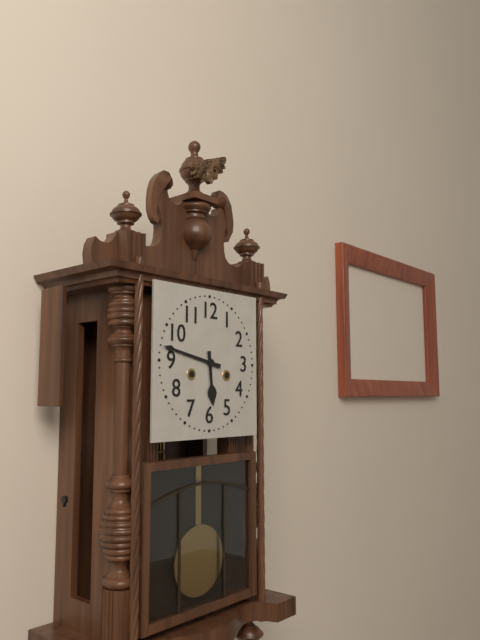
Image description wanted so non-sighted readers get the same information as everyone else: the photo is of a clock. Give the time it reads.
5:47
